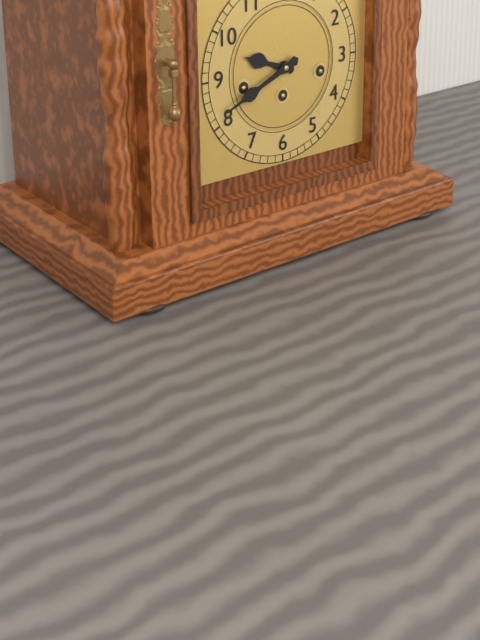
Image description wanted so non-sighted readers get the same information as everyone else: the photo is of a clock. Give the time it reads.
9:41
